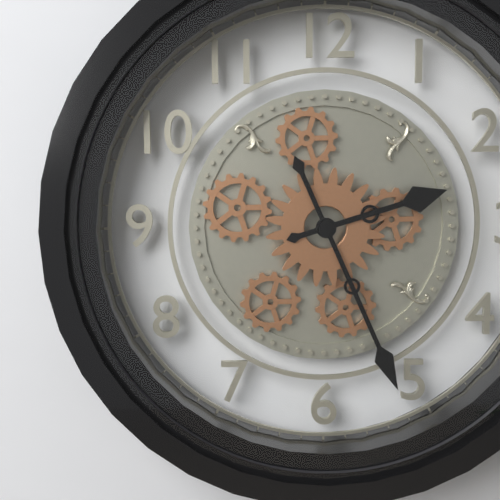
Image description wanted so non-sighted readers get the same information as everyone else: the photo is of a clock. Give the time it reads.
2:26
